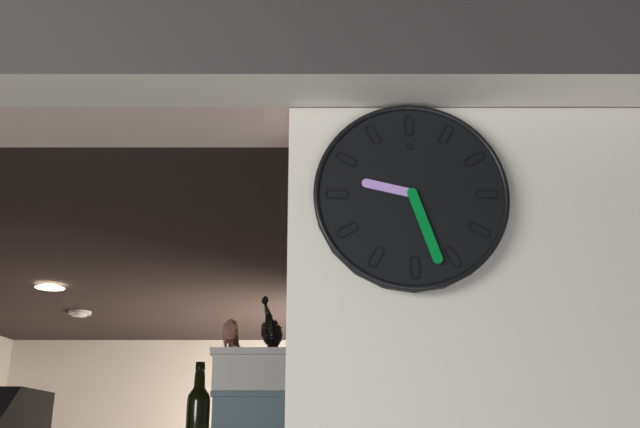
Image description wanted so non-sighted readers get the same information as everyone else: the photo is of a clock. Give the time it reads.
9:27
